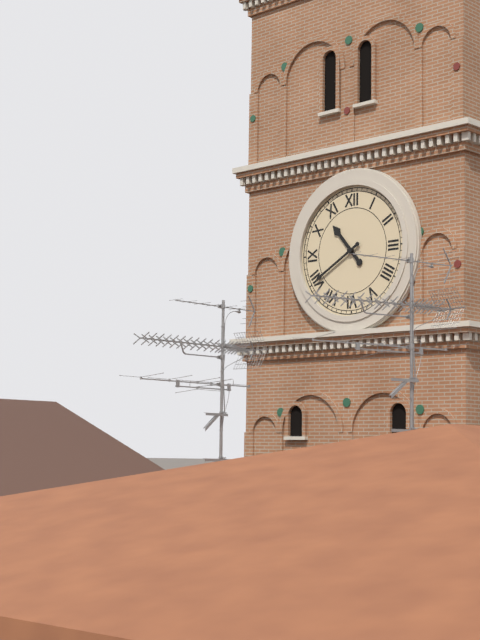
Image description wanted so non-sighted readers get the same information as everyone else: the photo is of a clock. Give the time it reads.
10:40
